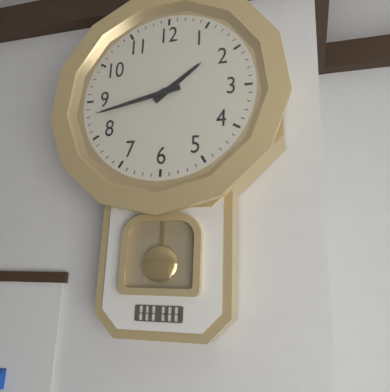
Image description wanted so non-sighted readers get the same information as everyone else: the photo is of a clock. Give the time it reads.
1:43
